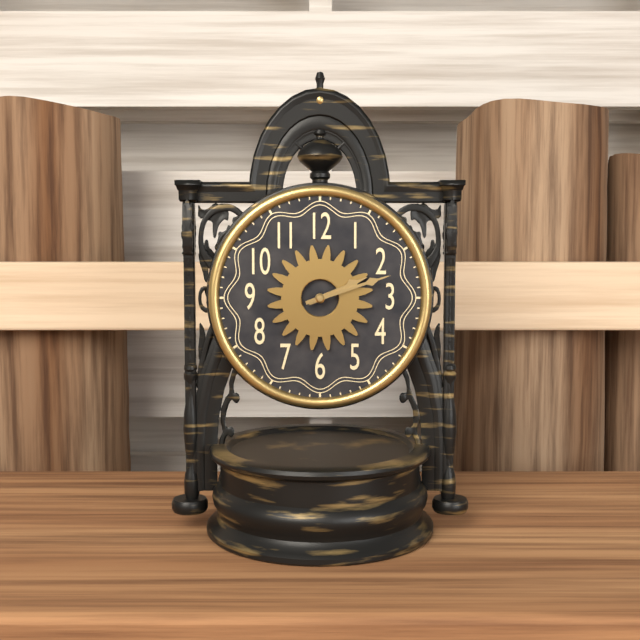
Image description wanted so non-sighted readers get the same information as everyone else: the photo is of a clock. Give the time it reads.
2:12
